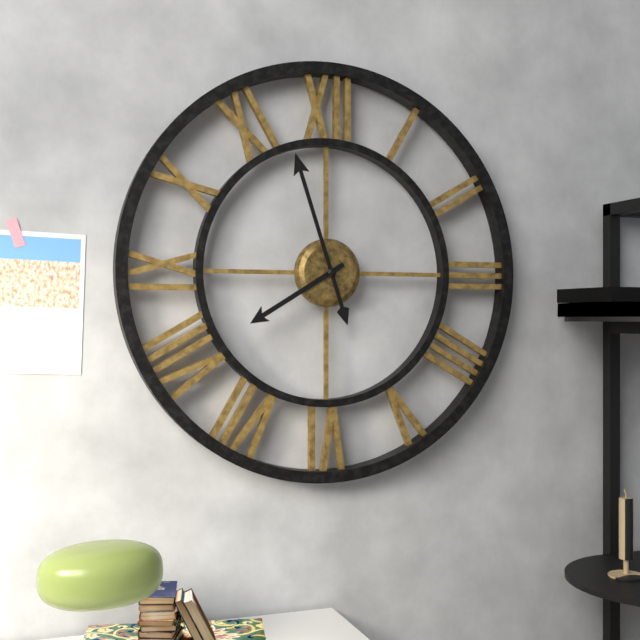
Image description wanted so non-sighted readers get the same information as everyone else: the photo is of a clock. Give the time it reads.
7:57
